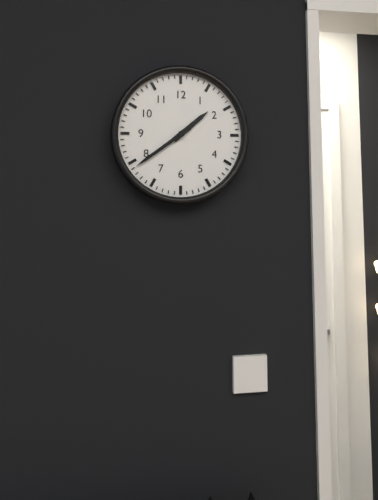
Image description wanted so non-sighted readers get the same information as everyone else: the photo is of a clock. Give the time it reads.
1:39
